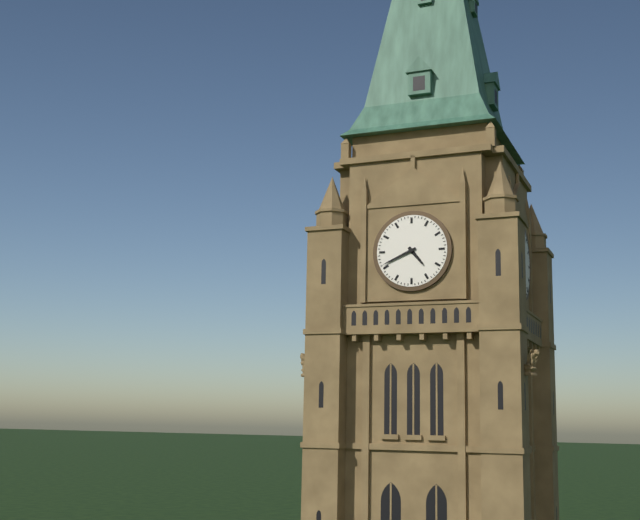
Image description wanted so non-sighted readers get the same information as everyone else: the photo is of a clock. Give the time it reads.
4:41
